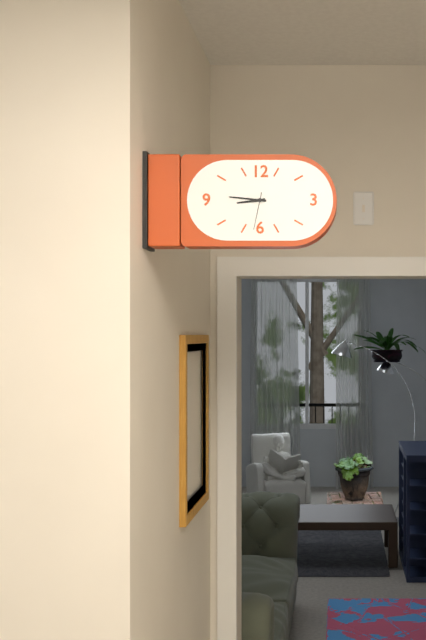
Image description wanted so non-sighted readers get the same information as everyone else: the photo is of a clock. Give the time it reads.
8:46
